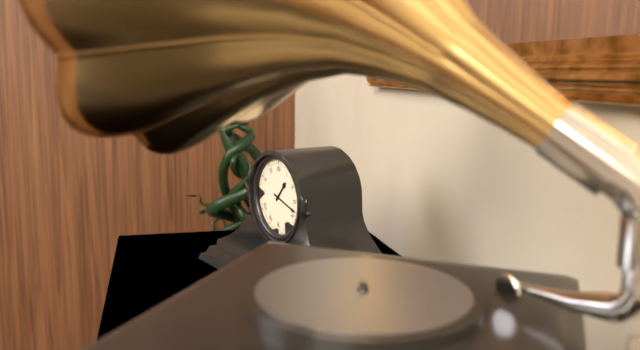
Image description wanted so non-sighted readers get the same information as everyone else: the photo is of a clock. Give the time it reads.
1:18
